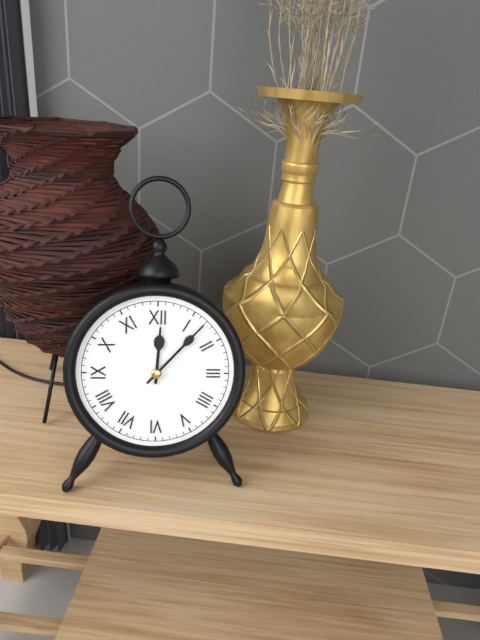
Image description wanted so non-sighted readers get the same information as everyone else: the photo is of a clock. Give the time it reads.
12:07
